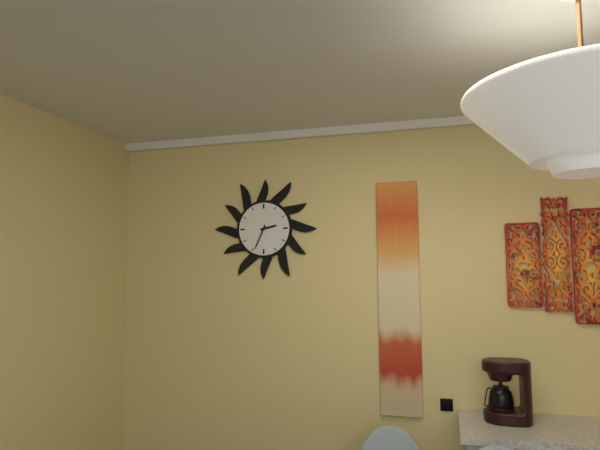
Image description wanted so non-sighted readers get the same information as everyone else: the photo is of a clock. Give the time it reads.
2:34
